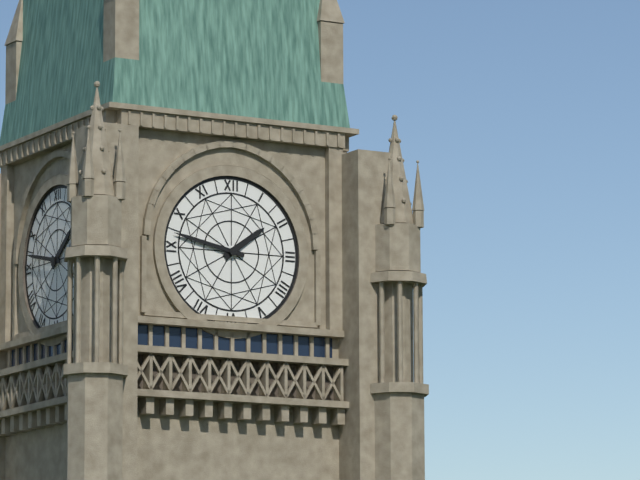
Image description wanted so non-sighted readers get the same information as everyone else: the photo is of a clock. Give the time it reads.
1:47
